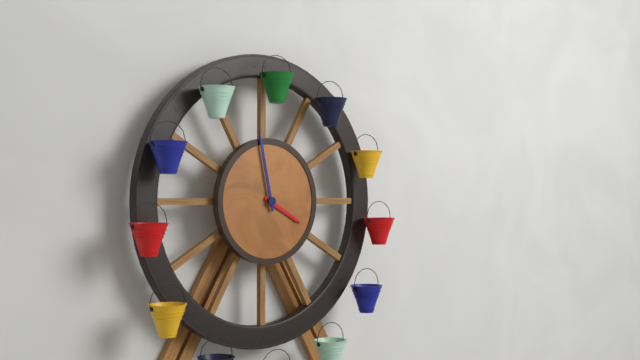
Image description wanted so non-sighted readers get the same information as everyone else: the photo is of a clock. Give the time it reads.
3:58
